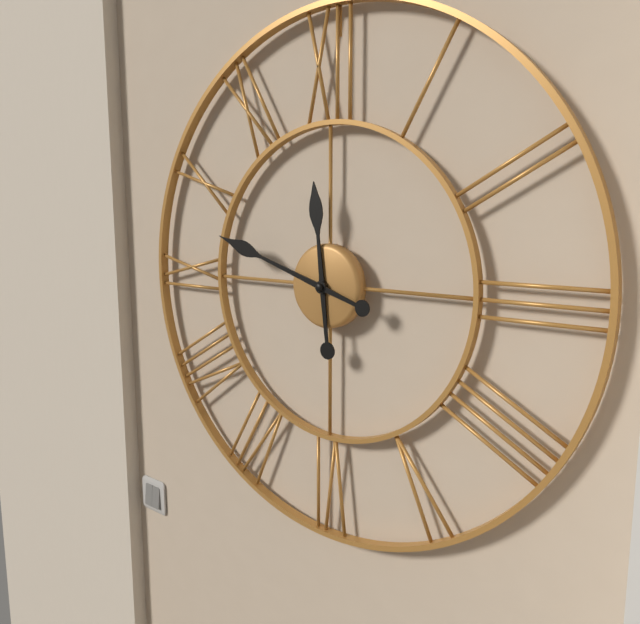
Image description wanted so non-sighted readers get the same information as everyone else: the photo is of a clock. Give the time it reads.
11:48
